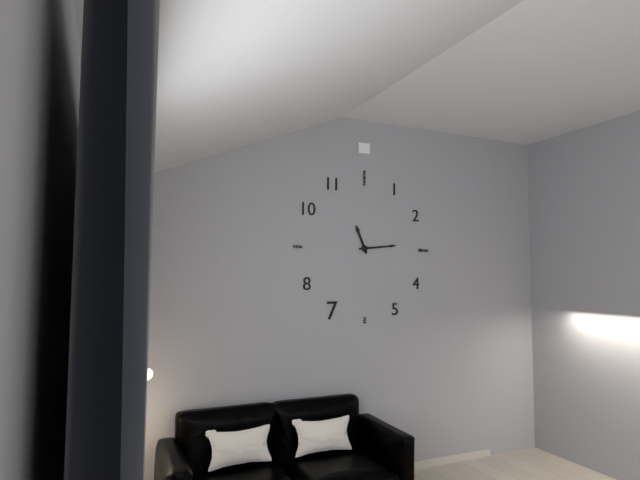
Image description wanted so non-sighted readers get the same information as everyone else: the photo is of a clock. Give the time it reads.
11:14
